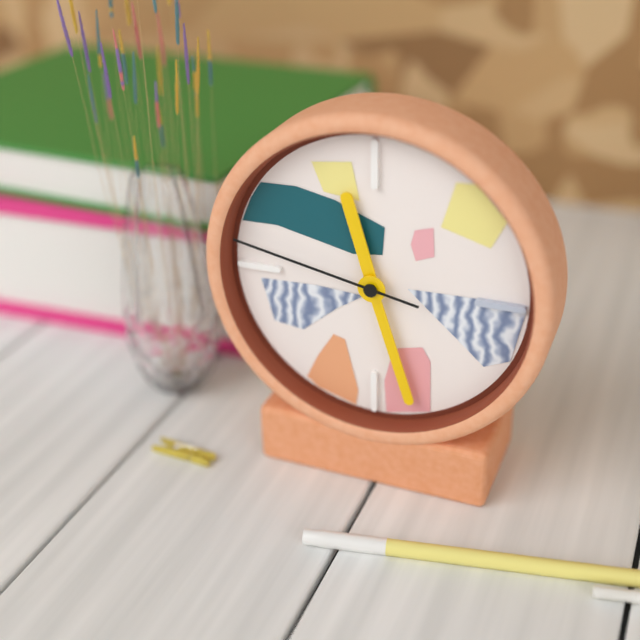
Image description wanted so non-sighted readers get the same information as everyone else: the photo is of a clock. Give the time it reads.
11:27:47
